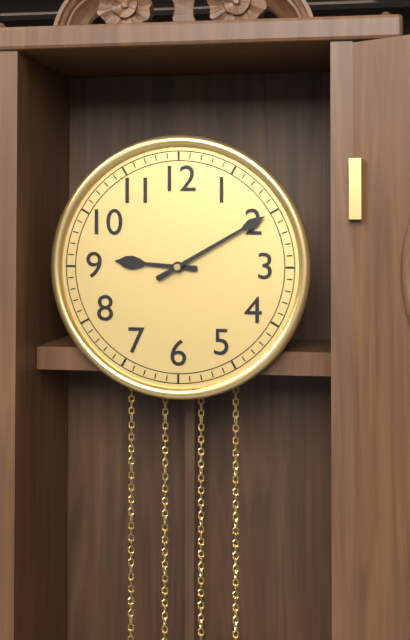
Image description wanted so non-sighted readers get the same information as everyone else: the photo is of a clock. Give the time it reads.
9:10
